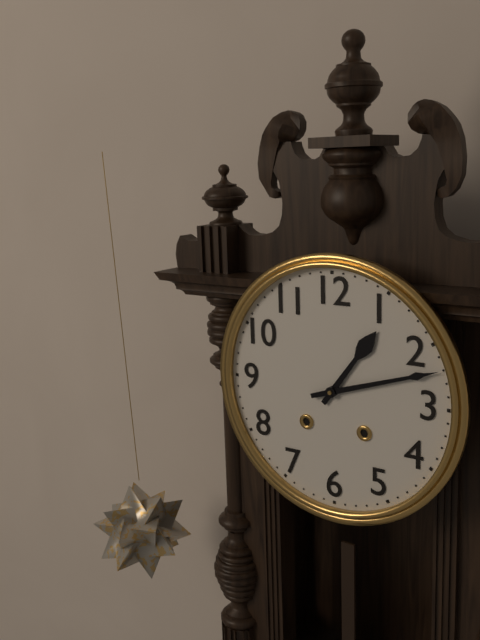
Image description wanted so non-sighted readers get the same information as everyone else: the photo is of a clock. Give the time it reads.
1:12
